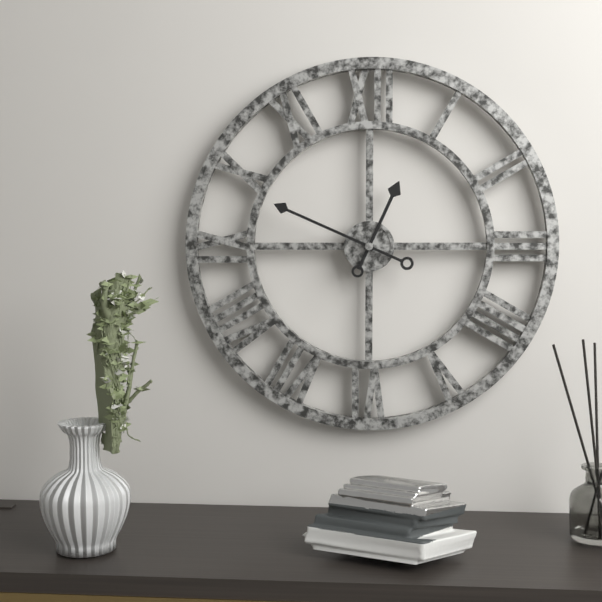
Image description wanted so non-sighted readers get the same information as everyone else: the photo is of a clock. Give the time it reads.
12:49
